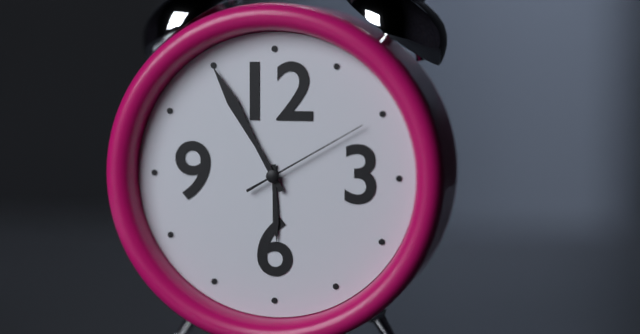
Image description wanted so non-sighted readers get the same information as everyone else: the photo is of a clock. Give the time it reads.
5:55:10
